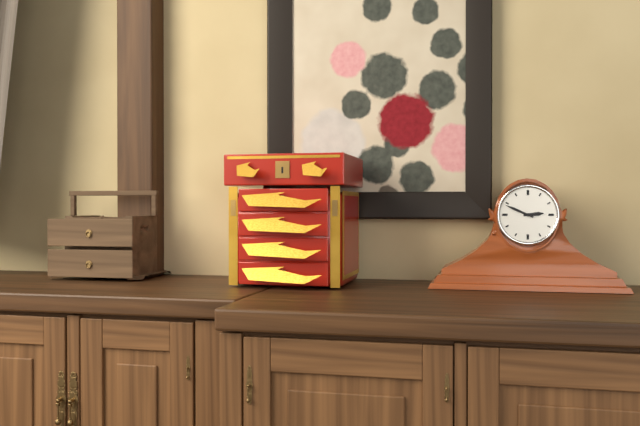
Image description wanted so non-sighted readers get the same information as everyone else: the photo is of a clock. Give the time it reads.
2:49
